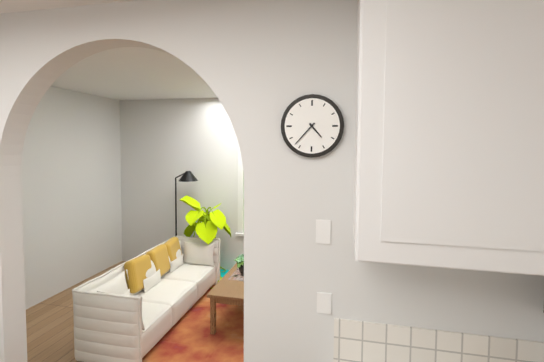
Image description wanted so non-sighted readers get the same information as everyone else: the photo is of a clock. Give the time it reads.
4:37
